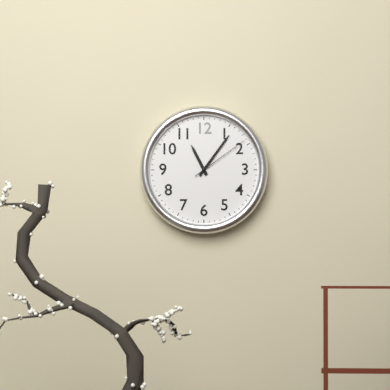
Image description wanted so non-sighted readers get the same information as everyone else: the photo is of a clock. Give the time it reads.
11:06:09
